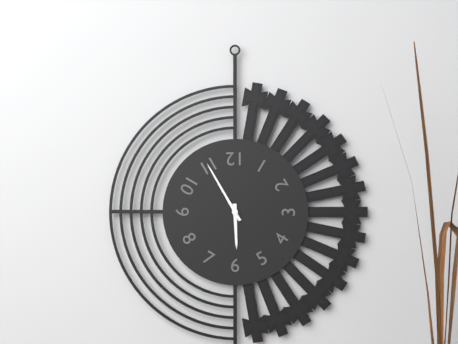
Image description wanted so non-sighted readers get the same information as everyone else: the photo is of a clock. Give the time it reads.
5:55
